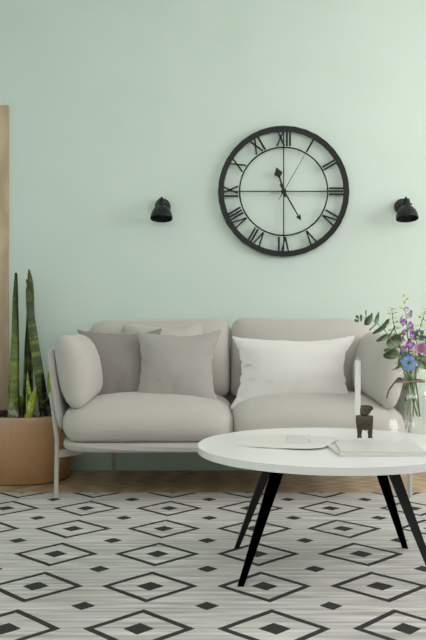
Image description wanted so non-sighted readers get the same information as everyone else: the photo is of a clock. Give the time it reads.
11:25:05
